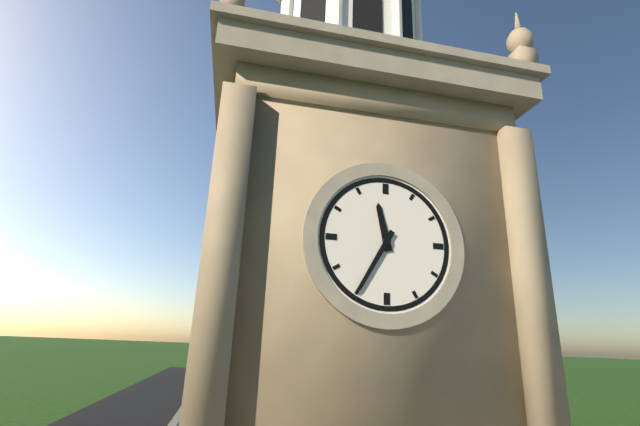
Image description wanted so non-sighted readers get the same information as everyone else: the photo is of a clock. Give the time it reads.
11:35
